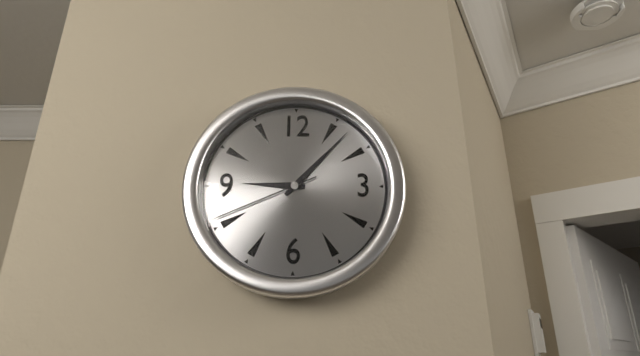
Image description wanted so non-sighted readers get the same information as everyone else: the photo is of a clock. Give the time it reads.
9:07:41
